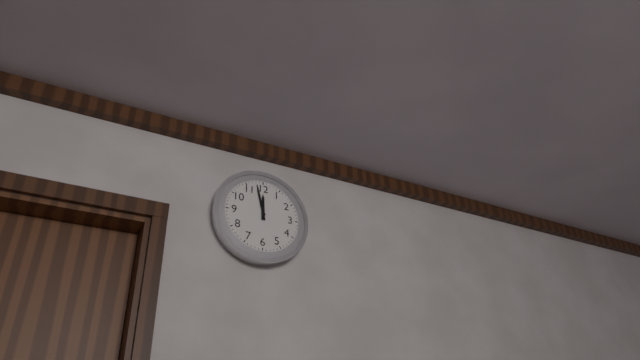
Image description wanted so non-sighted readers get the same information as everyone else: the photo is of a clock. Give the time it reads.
11:58
